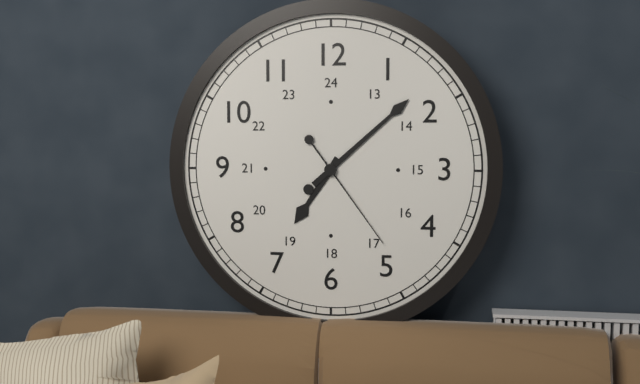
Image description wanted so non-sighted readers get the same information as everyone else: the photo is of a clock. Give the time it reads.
7:08:24
